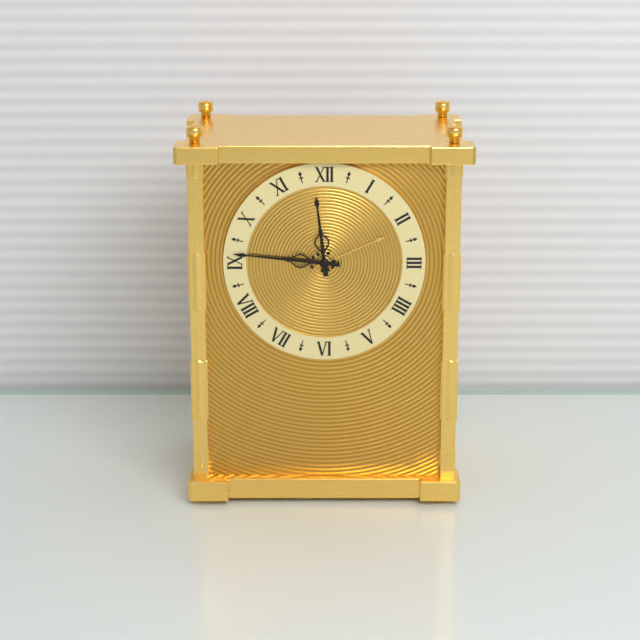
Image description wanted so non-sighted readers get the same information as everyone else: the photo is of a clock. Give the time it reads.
11:46
